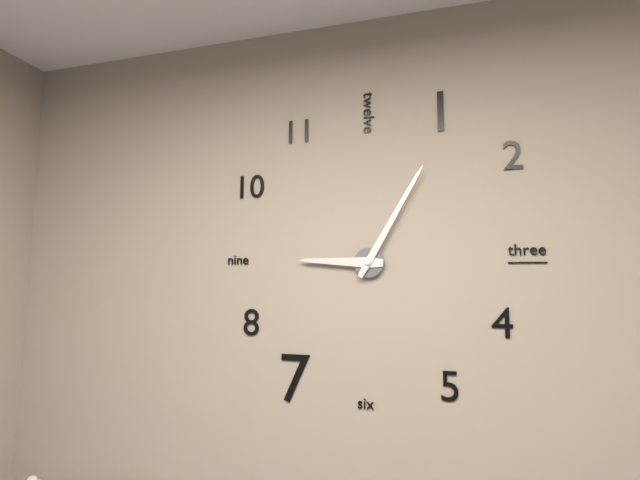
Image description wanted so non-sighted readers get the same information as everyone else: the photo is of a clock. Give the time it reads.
9:05
